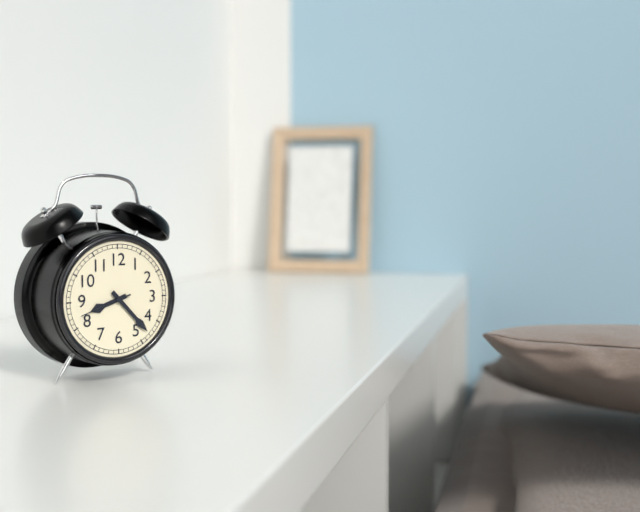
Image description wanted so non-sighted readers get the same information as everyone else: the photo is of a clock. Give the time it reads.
8:23
